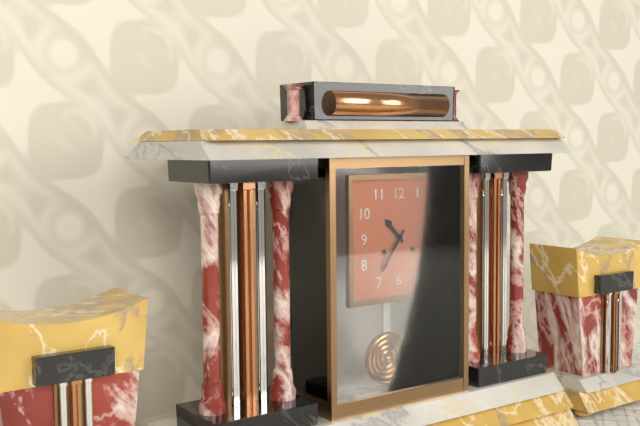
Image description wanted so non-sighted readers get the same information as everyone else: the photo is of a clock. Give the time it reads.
10:36
